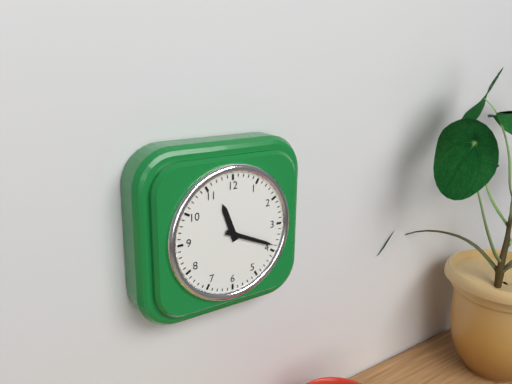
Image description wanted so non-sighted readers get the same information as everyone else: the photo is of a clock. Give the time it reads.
11:19
